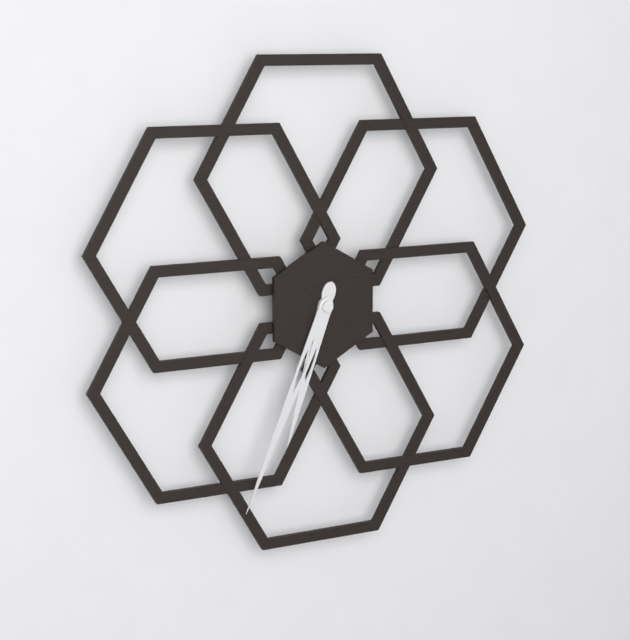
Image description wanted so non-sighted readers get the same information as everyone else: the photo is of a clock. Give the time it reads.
6:34
